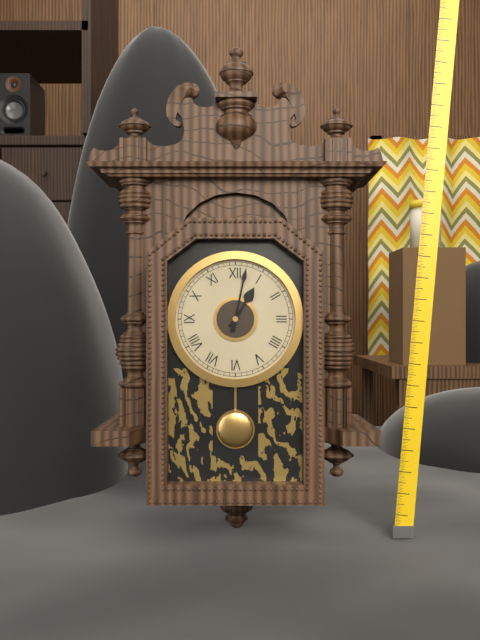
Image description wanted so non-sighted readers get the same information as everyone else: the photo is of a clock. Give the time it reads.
1:02
